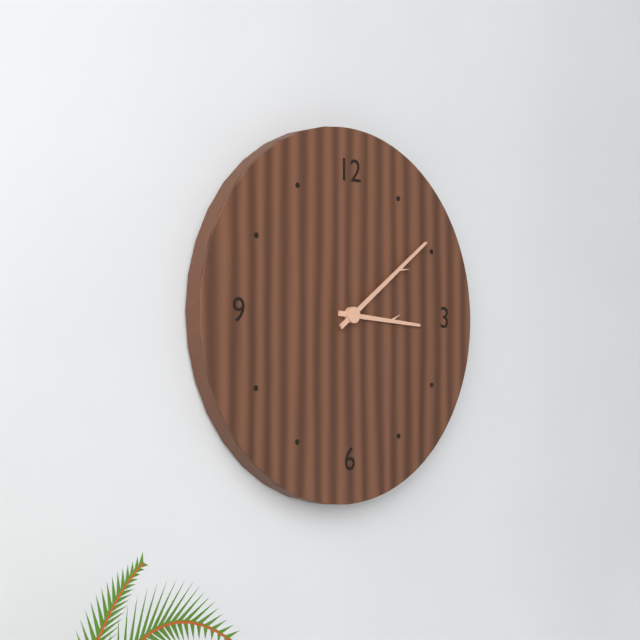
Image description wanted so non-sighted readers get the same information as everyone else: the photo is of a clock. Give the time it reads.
3:09
